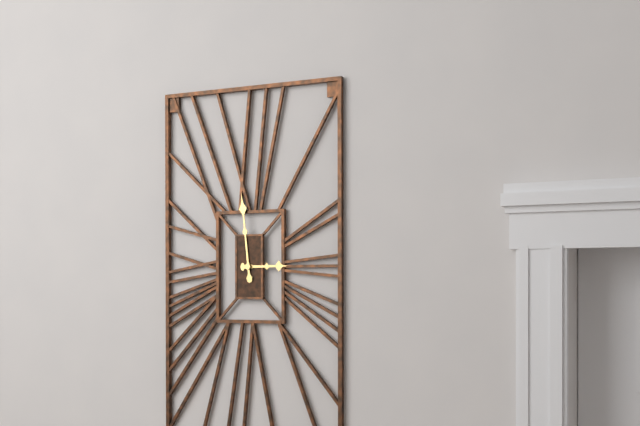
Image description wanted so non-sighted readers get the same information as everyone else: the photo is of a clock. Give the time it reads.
2:59
